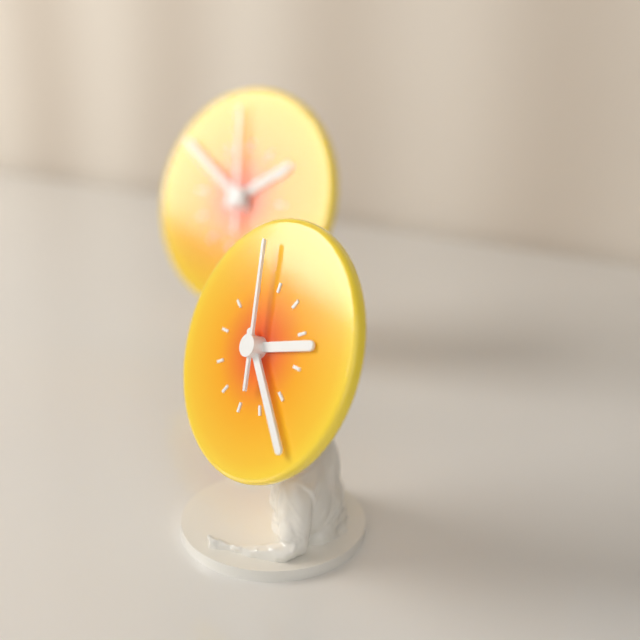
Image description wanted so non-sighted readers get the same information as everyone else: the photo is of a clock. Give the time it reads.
2:22:57
